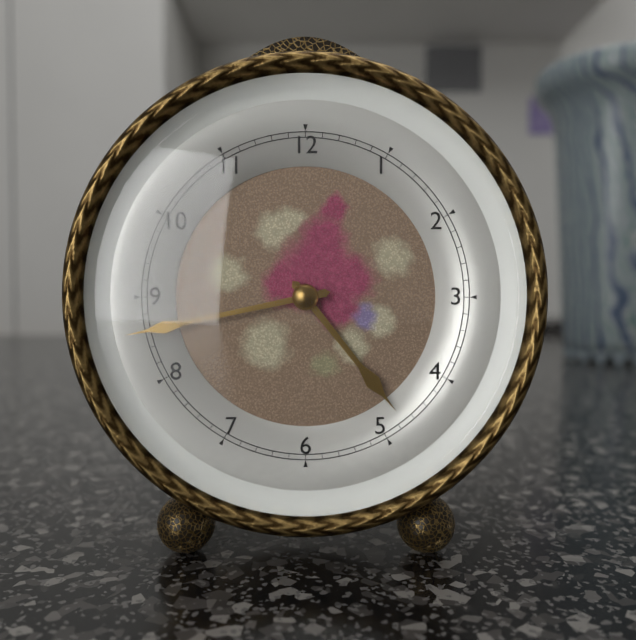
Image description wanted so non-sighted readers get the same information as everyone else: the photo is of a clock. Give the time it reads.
4:43
